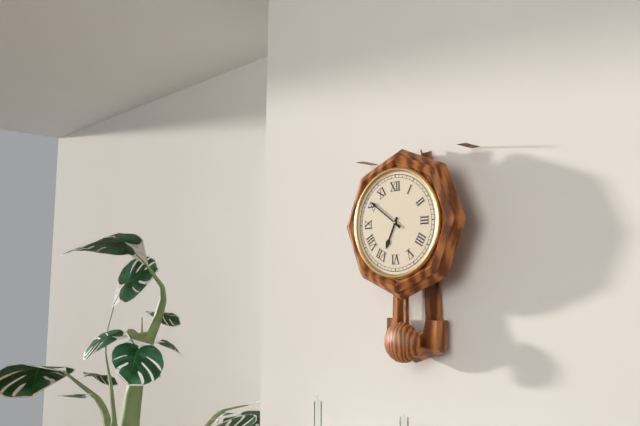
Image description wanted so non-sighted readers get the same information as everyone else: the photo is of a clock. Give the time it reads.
6:51
